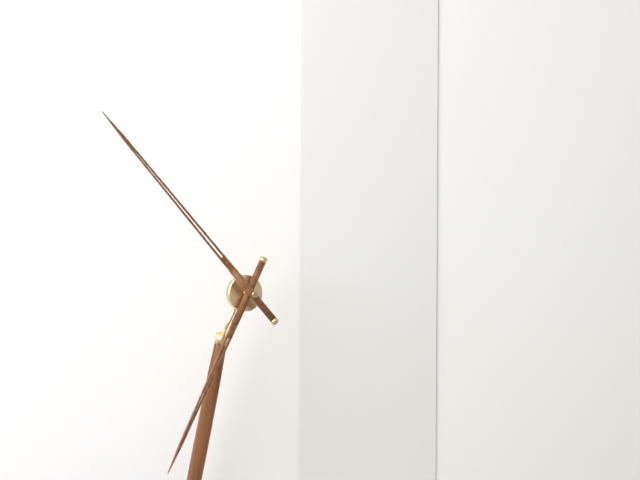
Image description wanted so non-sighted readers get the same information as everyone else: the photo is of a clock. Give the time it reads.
6:53
